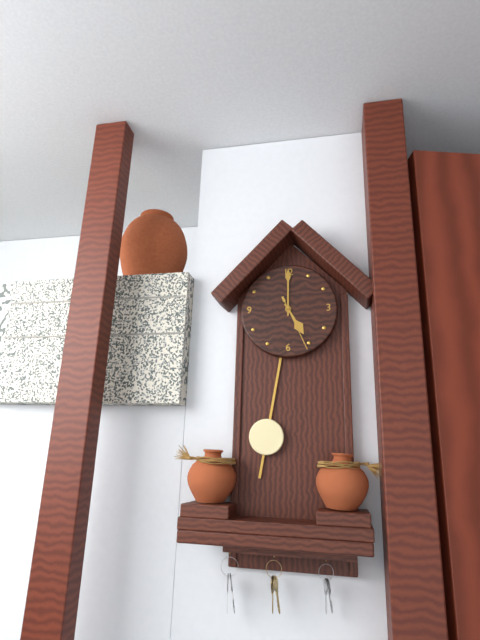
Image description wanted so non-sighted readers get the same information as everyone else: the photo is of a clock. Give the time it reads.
5:00:26
